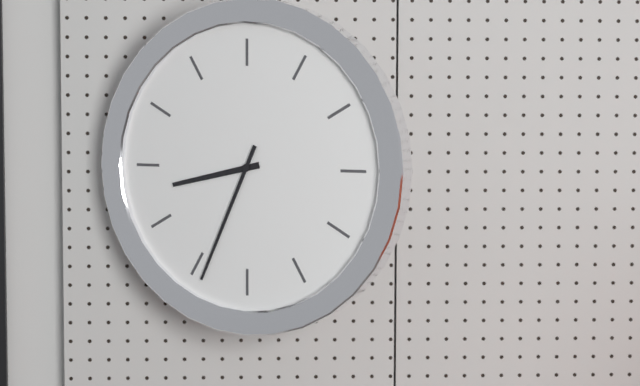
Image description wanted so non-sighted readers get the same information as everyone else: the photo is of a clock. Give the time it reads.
8:34
